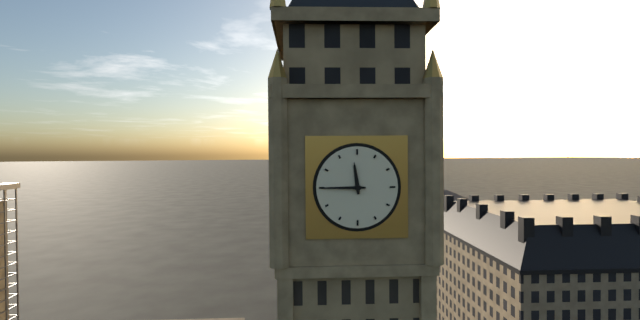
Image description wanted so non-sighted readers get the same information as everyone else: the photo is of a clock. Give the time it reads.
11:45
